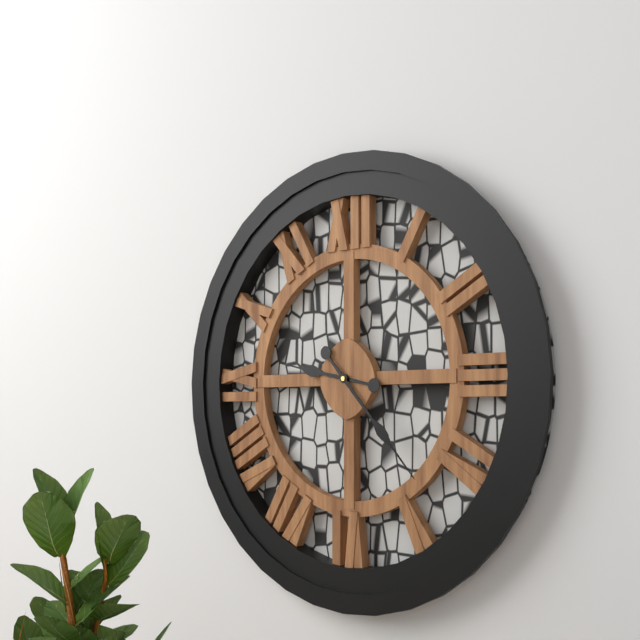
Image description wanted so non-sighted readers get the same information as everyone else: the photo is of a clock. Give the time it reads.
9:23
